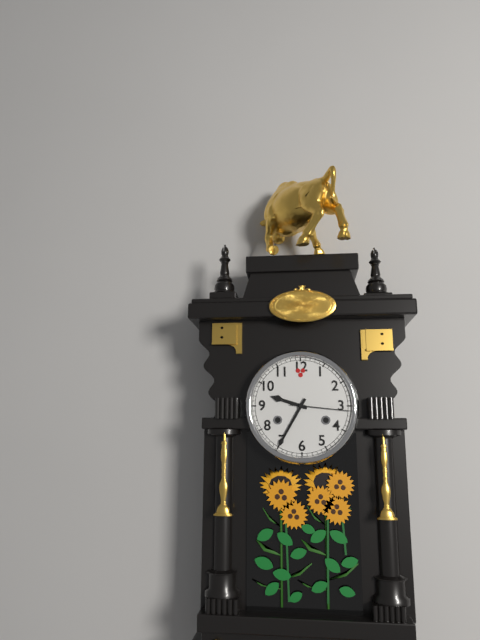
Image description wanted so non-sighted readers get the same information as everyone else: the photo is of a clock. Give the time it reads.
9:35:16
